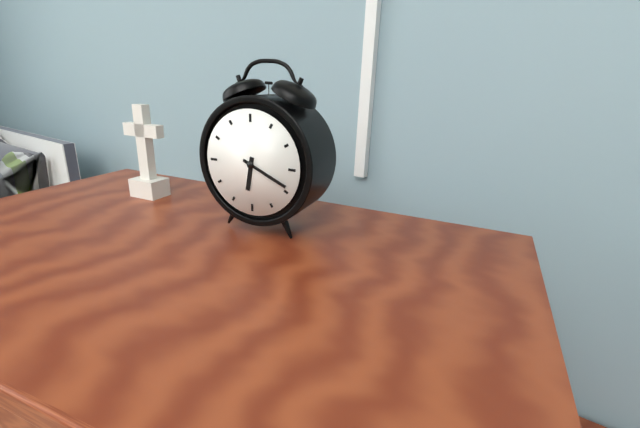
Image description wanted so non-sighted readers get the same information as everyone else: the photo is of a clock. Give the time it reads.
6:19
